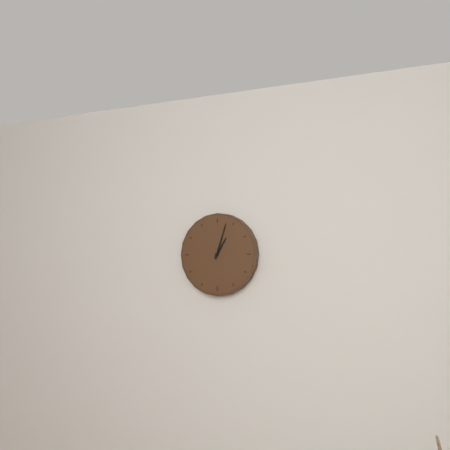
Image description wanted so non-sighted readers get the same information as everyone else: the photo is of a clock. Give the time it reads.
1:03
